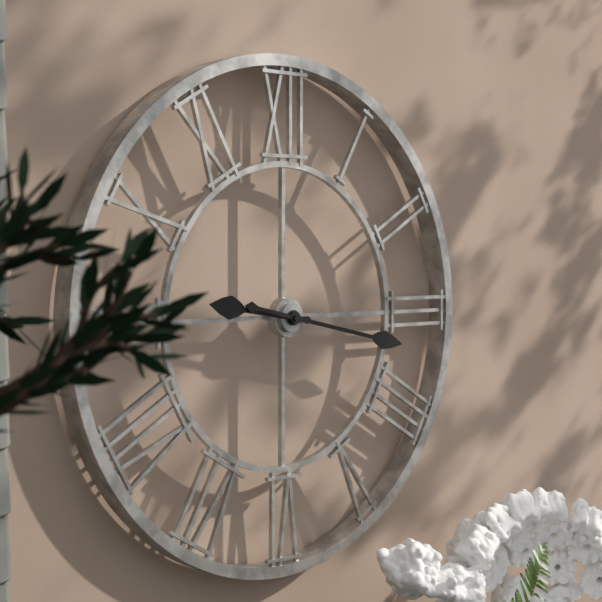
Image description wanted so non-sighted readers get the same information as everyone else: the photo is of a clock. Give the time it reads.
9:17
